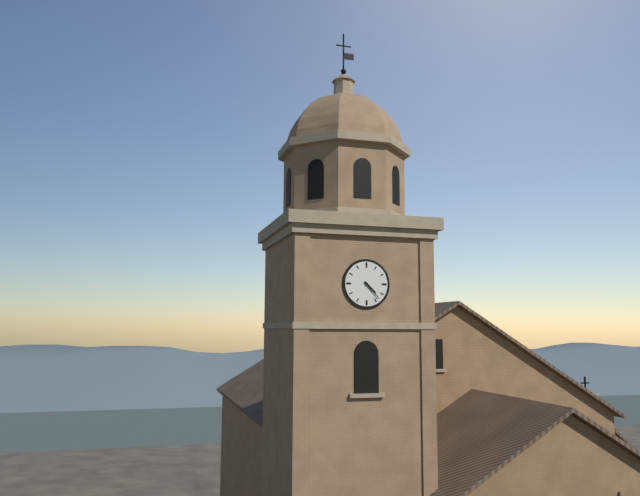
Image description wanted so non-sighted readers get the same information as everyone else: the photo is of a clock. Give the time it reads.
4:23
